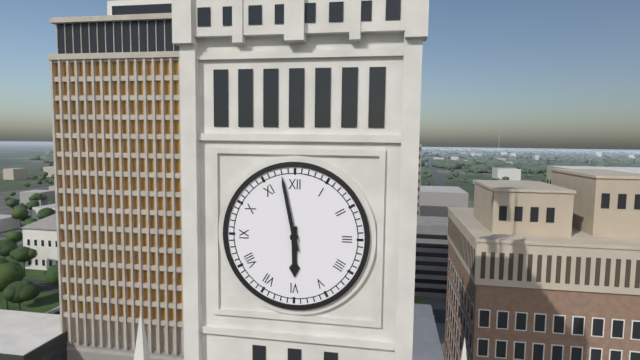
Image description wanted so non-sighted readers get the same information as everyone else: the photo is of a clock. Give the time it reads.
5:58
